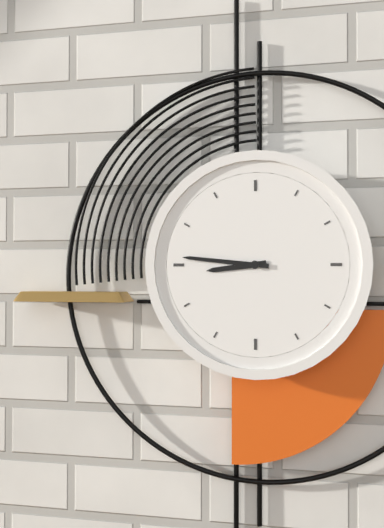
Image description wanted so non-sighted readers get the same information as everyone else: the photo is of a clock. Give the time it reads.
8:46
